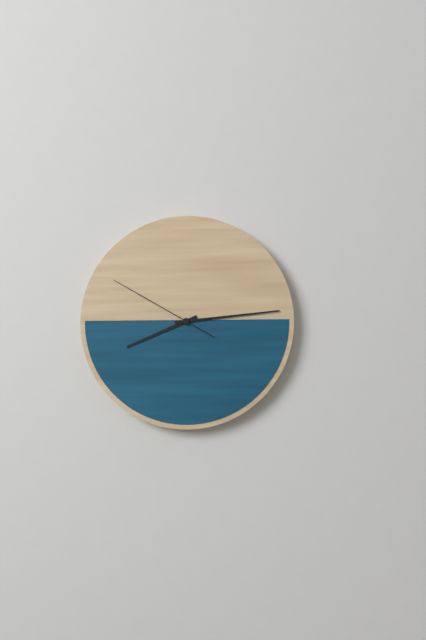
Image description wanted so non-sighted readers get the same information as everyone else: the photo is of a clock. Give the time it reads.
8:14:50
